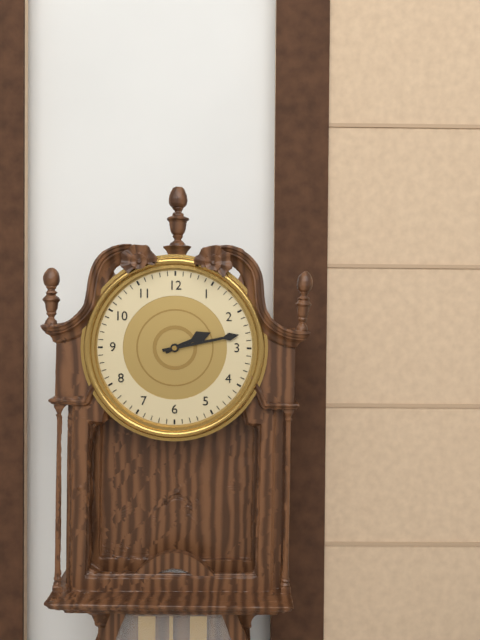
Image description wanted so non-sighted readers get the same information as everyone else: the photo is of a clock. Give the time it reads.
2:13
